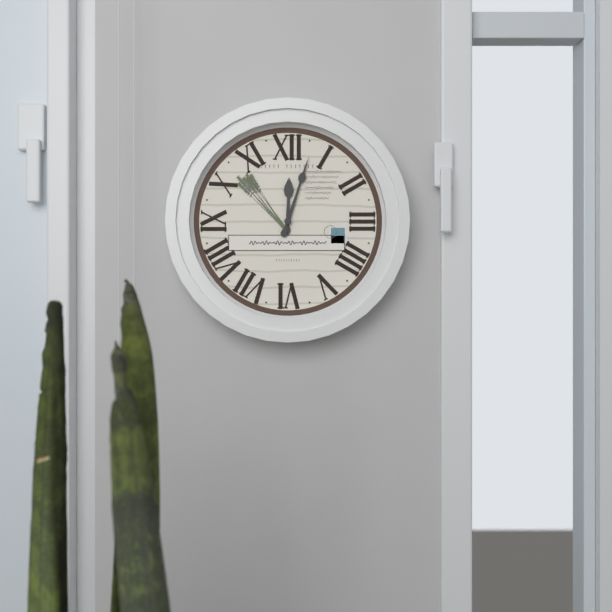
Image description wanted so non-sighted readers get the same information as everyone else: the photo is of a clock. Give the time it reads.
12:03
